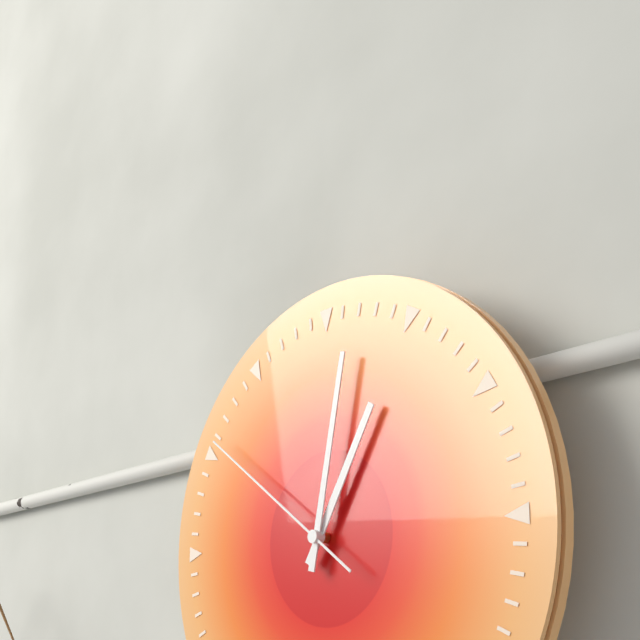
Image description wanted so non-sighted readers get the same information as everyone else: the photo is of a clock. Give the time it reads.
1:02:51
